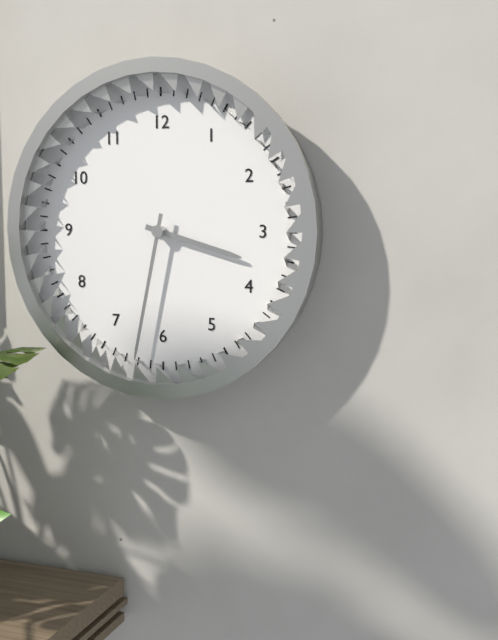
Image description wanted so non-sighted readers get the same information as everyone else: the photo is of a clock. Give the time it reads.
3:32
